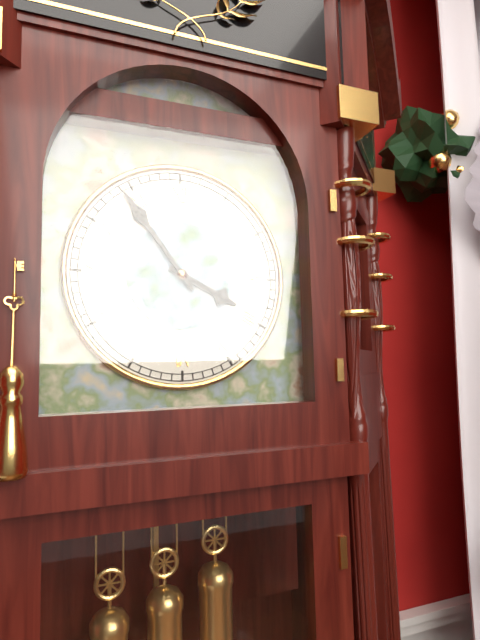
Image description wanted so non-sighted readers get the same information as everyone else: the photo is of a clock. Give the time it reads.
3:54
